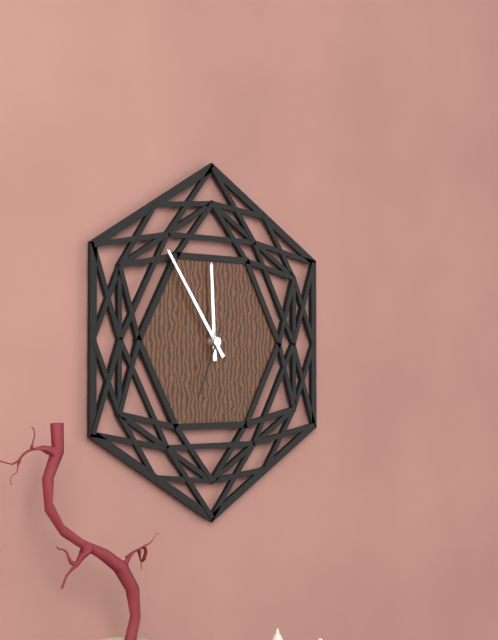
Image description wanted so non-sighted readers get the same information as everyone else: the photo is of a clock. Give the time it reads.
11:54:34
